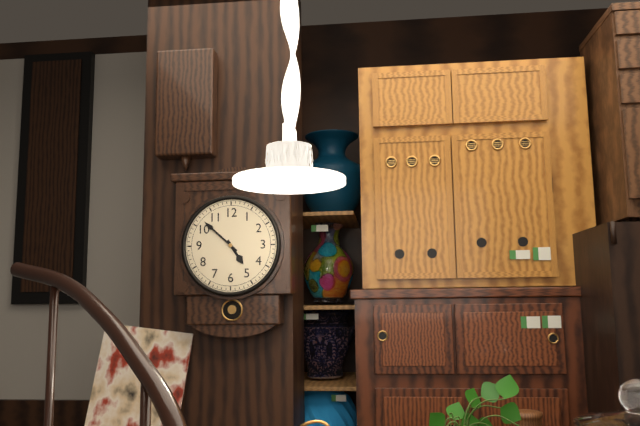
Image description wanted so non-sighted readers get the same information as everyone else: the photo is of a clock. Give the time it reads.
4:52
